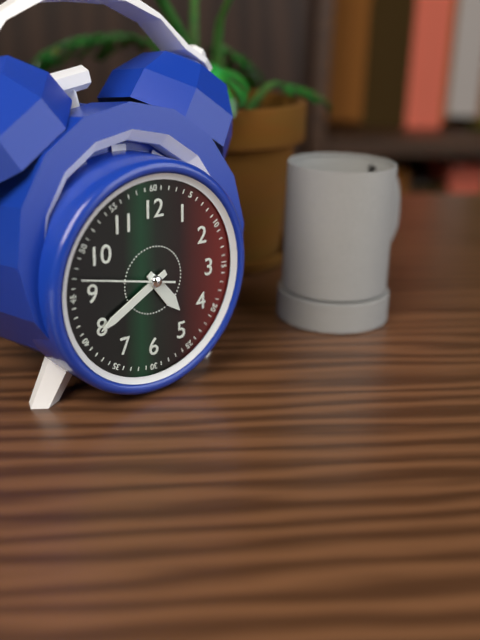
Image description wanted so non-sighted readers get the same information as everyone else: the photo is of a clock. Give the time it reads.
4:40:47
